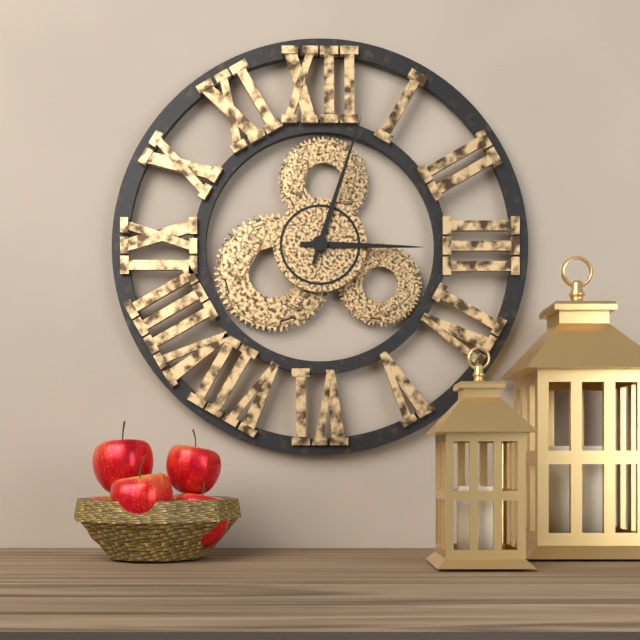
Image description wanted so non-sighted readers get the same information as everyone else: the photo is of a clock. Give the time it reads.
3:03
